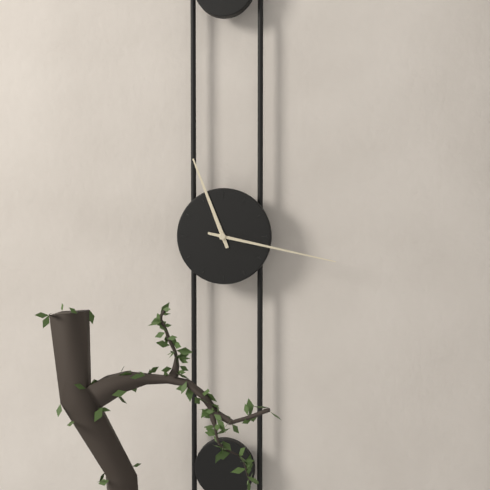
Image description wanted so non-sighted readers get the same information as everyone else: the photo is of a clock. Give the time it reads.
11:17
